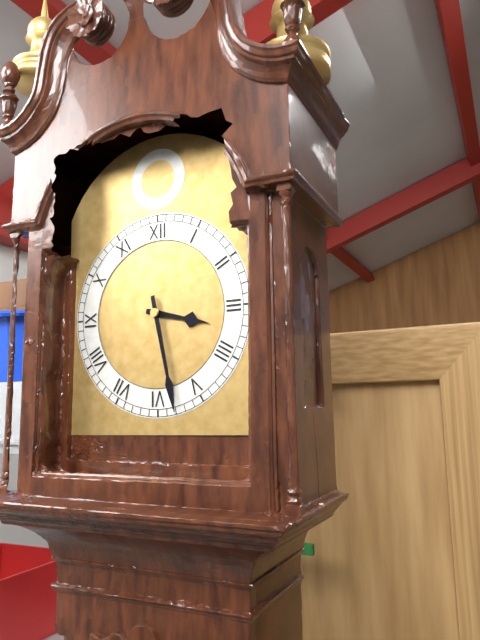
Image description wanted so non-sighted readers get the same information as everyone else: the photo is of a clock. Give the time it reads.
3:28
